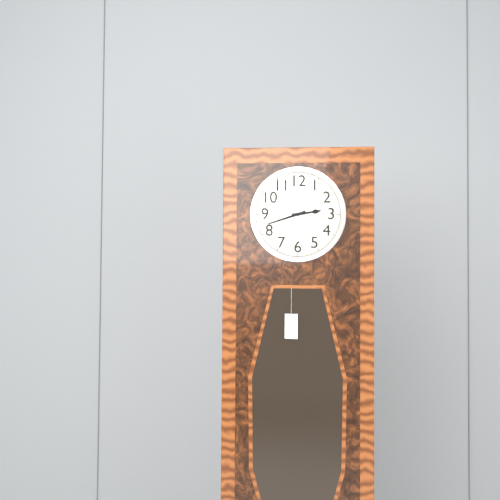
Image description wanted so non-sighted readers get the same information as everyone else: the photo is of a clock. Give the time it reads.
2:42
